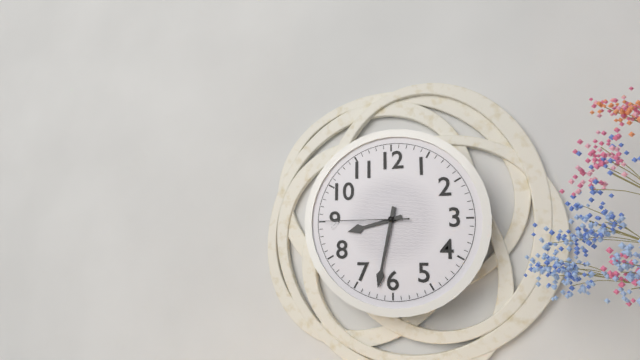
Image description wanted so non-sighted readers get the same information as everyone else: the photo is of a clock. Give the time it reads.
8:32:45
